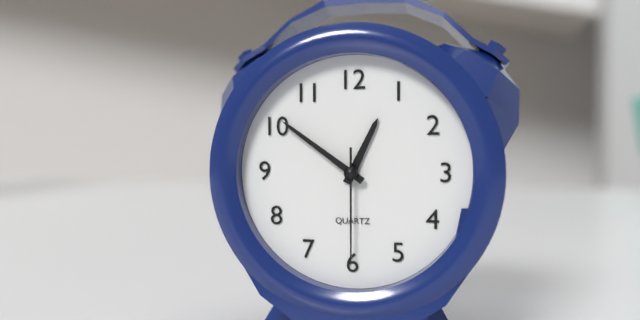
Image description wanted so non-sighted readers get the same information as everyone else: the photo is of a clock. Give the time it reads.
12:51:30
